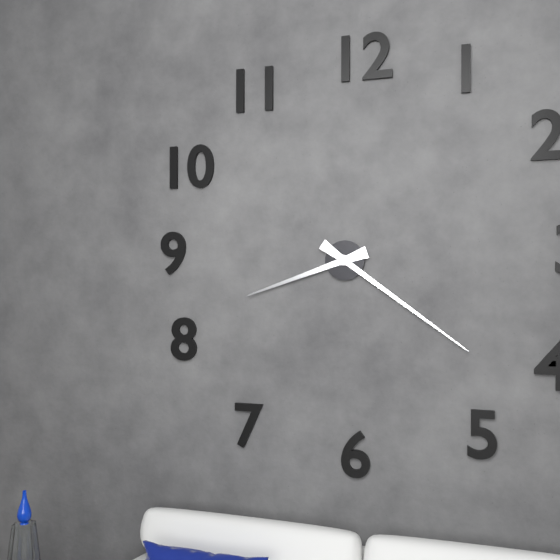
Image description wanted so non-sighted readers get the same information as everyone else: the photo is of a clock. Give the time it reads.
8:21
